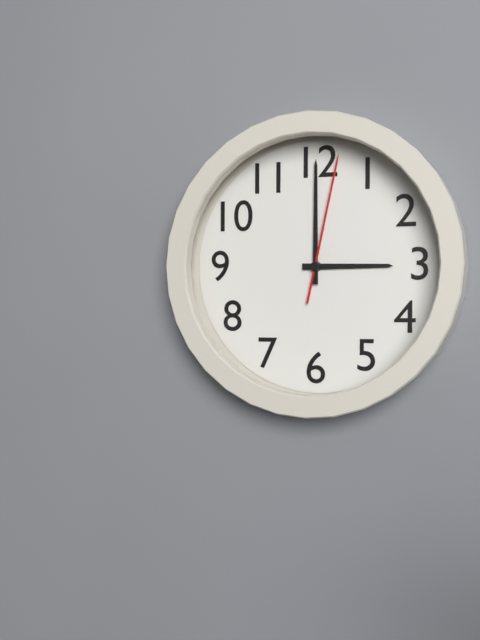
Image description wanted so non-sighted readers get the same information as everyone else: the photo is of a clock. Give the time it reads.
3:00:02
